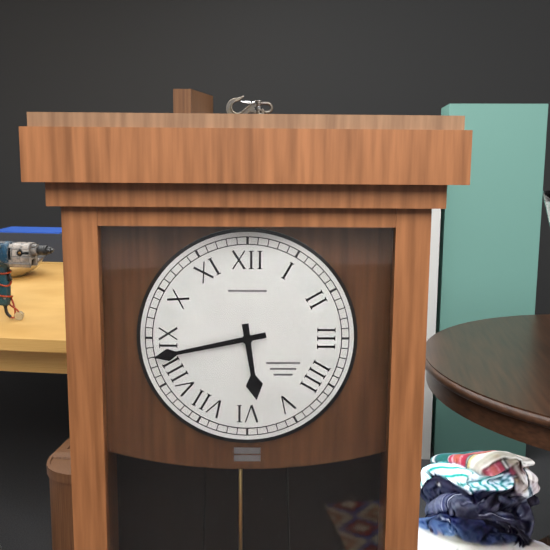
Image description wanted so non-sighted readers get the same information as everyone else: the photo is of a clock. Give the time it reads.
5:43
